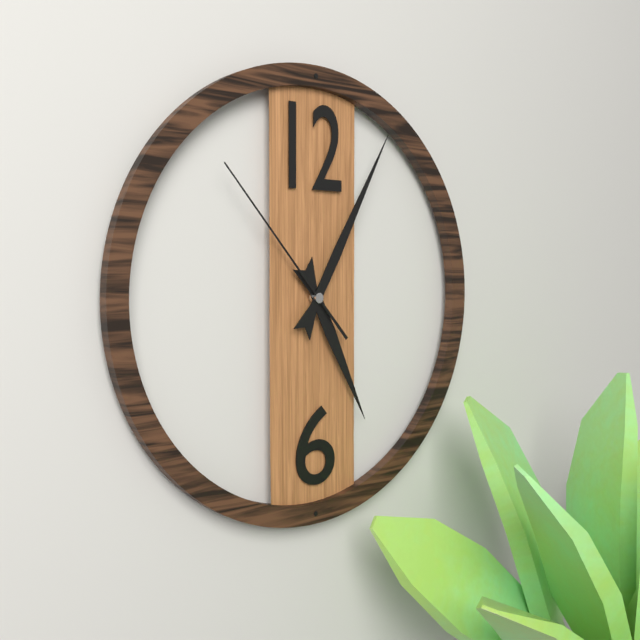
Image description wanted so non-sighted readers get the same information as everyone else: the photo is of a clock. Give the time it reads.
5:05:53
